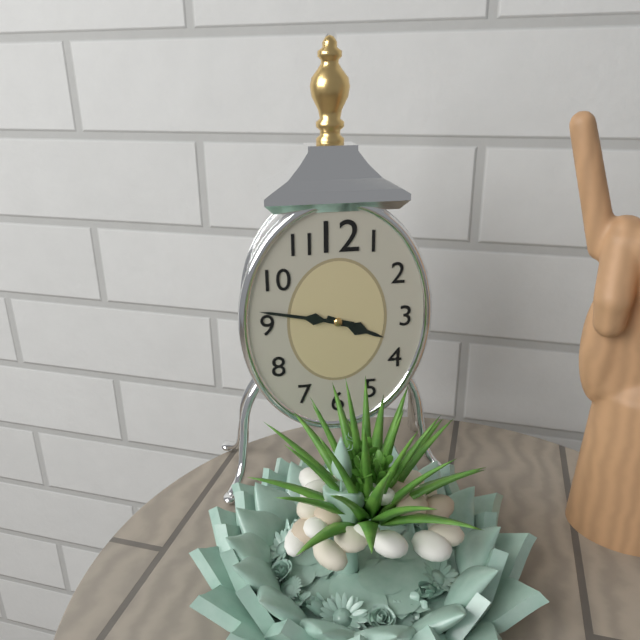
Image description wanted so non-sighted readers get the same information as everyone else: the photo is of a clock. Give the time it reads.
3:47
